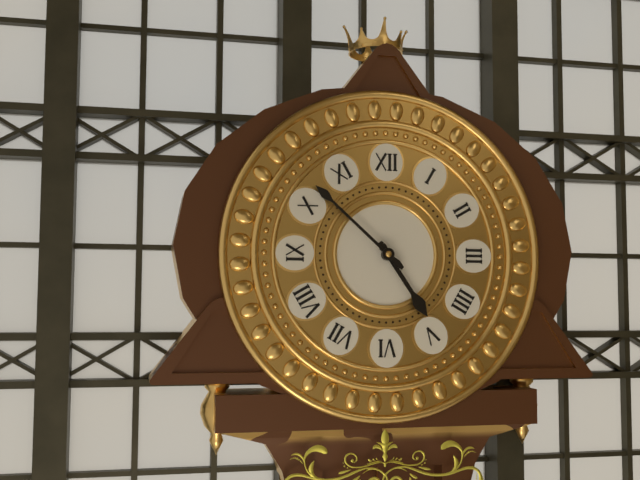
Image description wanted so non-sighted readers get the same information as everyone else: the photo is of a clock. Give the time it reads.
4:52
